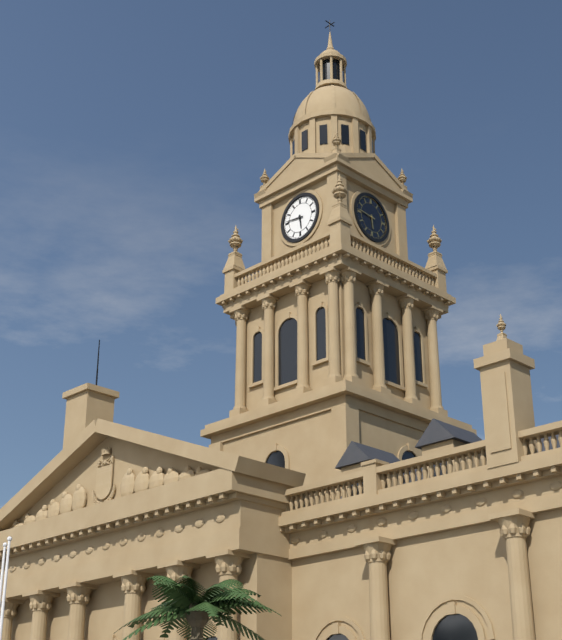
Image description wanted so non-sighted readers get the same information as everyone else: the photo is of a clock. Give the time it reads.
5:46
